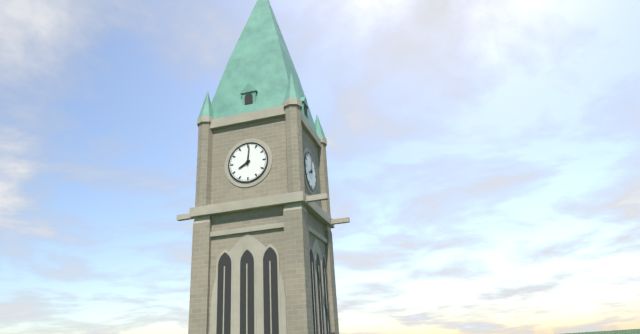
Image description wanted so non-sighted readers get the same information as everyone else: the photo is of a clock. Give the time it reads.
8:01
